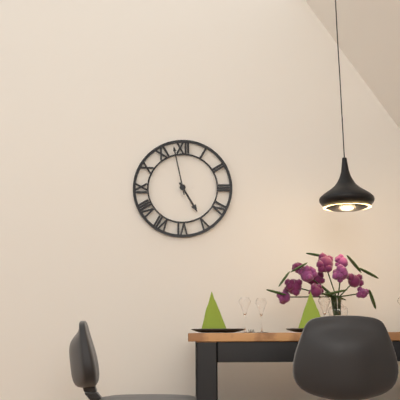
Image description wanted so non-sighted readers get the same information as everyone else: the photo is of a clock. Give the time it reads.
4:58
